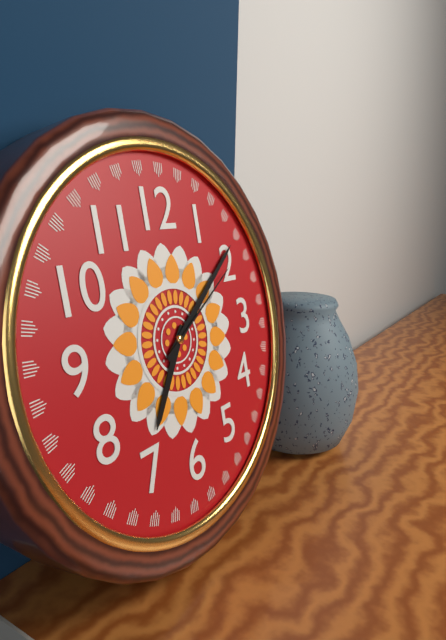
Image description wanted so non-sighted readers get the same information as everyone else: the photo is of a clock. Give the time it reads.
7:09:10
